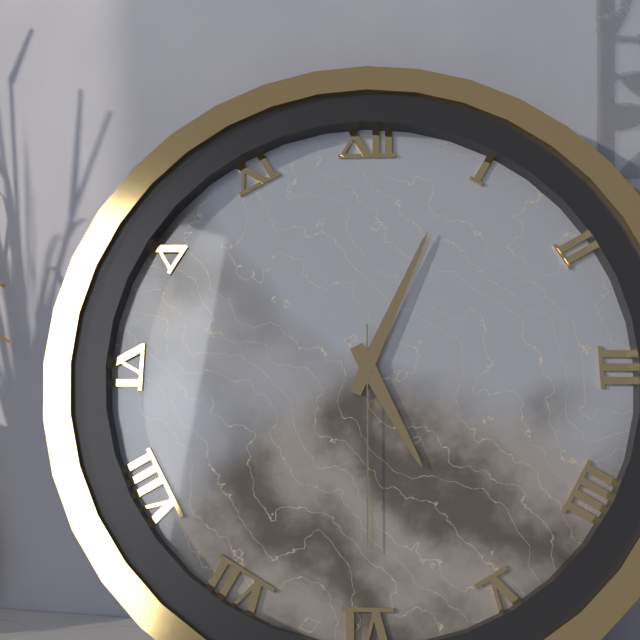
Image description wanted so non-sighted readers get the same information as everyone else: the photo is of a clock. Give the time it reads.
5:04:30
